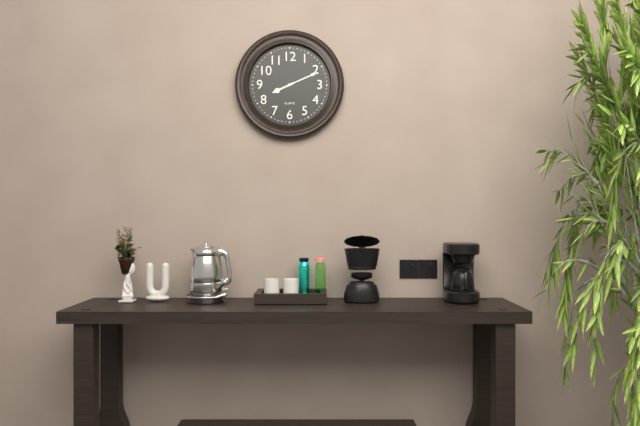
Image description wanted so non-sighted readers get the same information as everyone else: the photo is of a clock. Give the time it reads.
8:11
